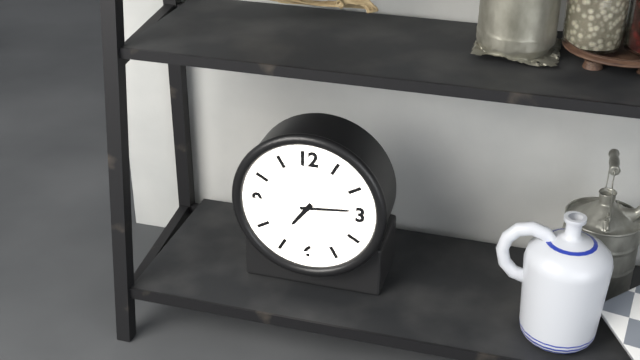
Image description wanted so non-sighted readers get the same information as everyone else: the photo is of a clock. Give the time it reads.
7:14
